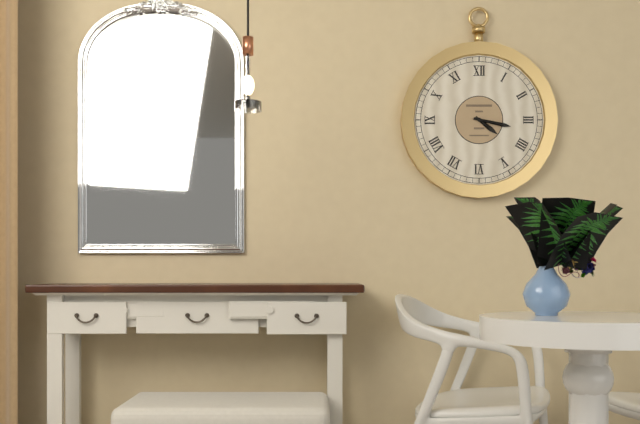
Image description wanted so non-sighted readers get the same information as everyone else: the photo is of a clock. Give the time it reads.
4:17
